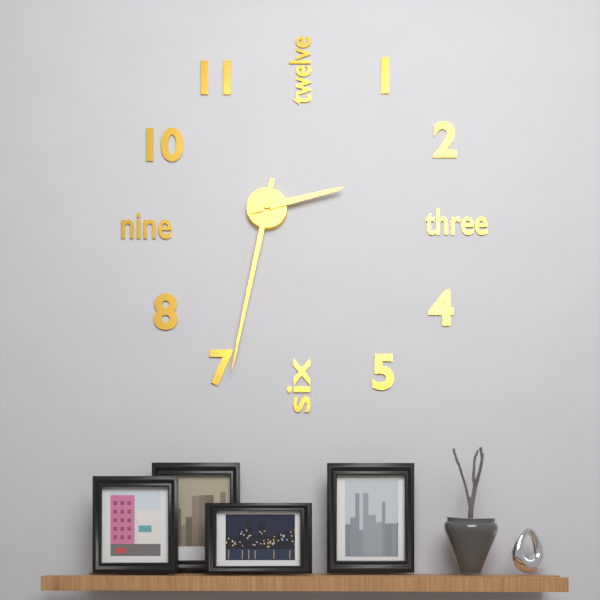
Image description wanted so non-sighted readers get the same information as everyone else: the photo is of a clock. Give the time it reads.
2:32
